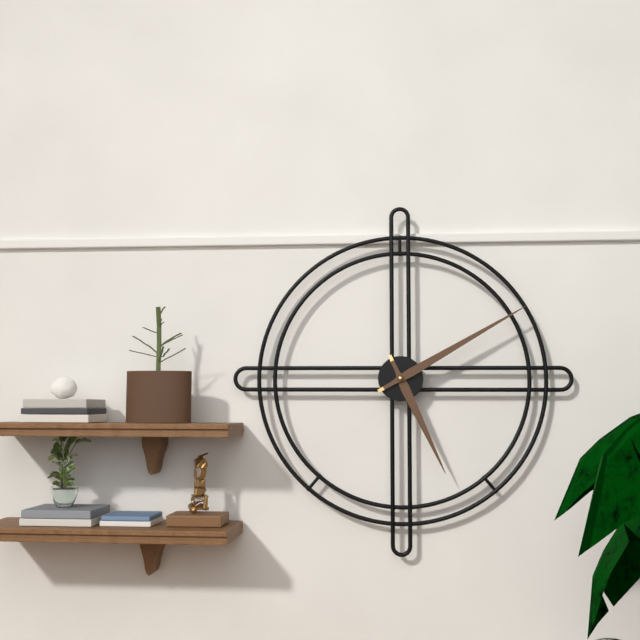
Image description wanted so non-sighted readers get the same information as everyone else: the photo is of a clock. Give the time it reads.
5:10
